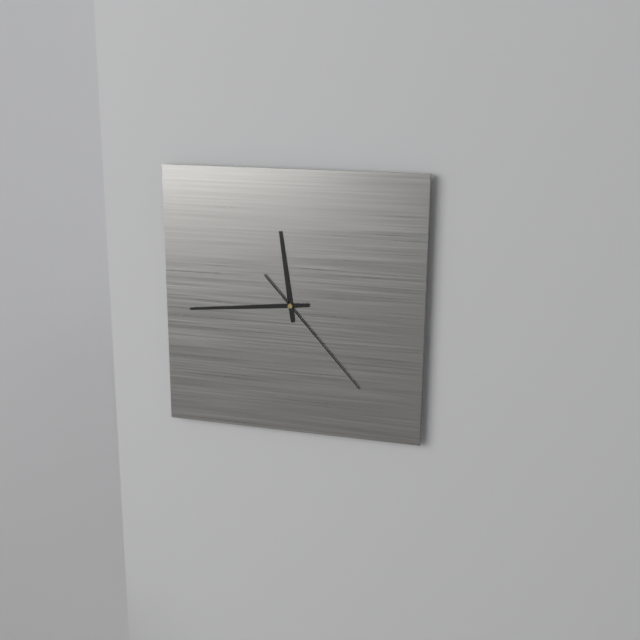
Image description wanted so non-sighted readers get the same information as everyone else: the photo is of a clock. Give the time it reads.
11:44:23
